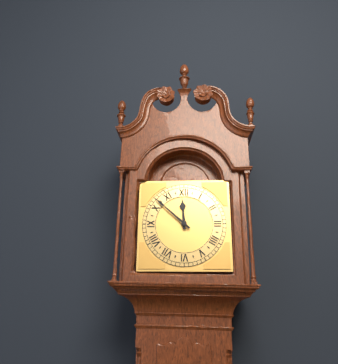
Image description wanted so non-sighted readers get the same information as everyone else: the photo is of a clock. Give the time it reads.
11:52
